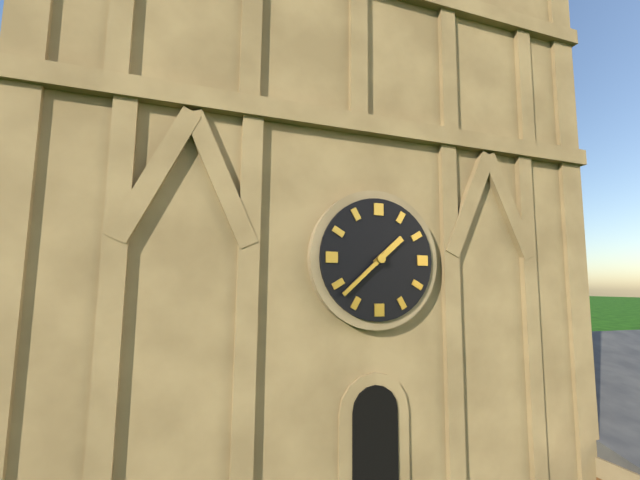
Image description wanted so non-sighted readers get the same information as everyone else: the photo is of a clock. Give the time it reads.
1:38
